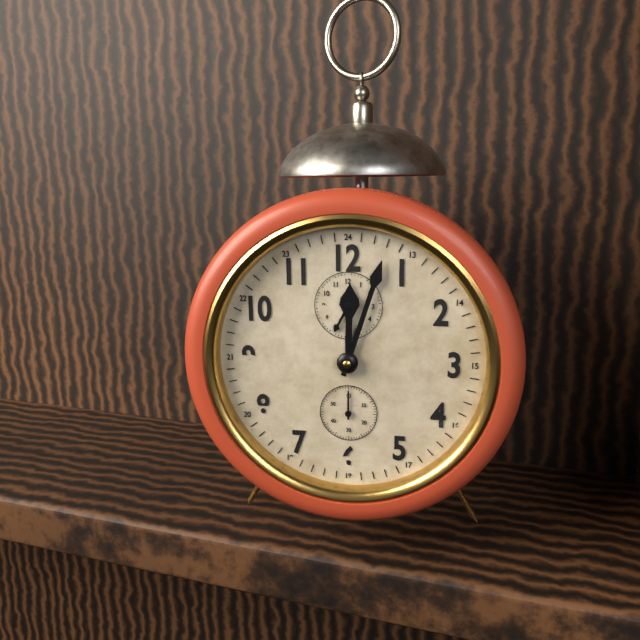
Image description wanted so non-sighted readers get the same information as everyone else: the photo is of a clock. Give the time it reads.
12:03
